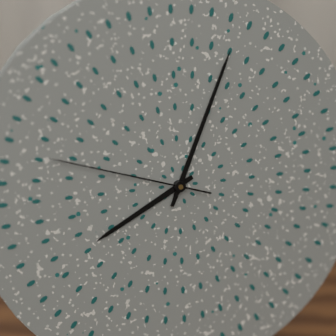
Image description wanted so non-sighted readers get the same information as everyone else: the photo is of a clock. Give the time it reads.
8:04:48
